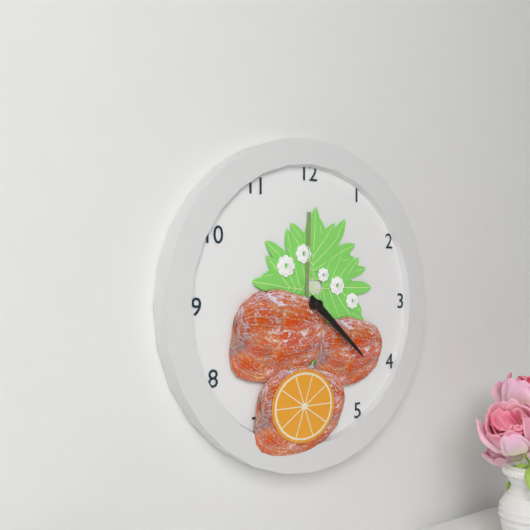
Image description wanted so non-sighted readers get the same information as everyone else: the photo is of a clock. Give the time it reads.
4:22
